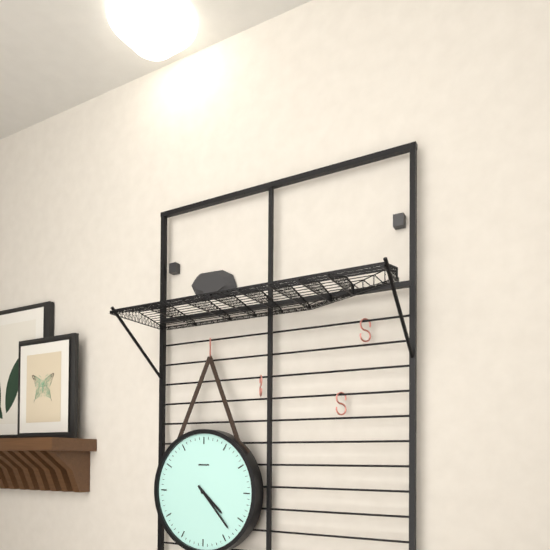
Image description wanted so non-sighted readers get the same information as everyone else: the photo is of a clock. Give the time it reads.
4:23
